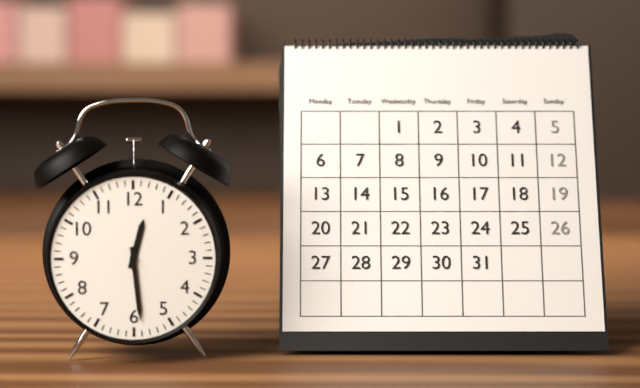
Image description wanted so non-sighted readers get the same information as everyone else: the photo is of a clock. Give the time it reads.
12:29
